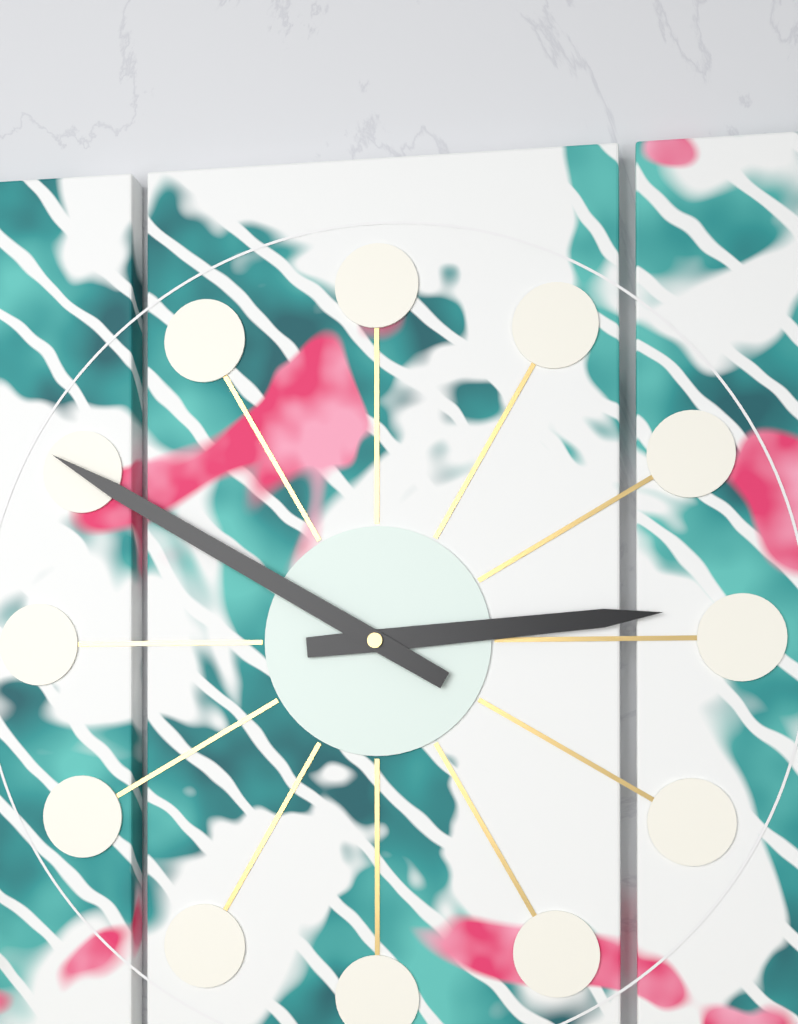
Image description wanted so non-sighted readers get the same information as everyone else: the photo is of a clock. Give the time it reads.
2:50
